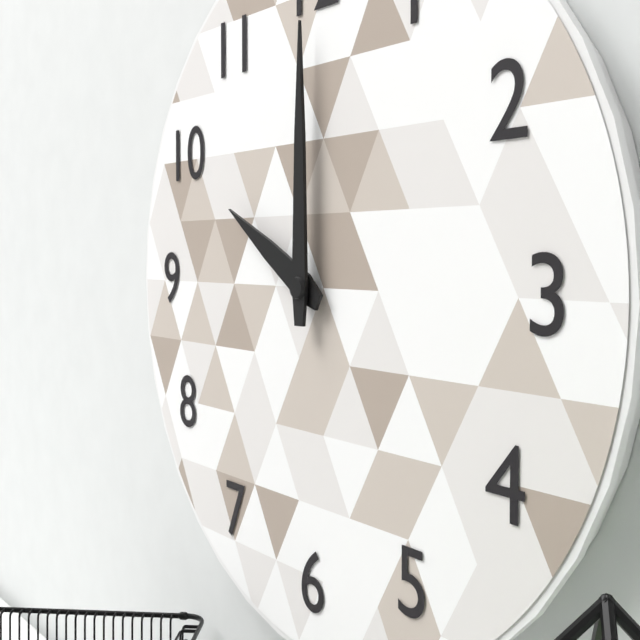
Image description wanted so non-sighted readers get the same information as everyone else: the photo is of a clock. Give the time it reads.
10:00
